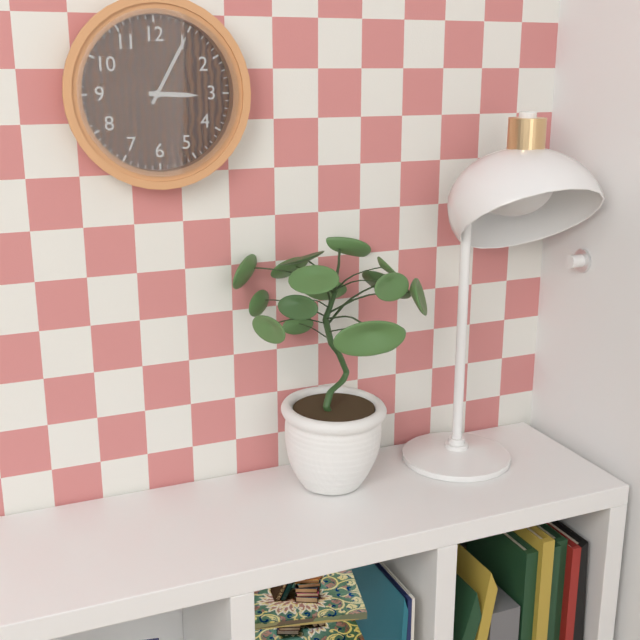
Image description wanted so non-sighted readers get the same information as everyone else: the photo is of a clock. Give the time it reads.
3:05
